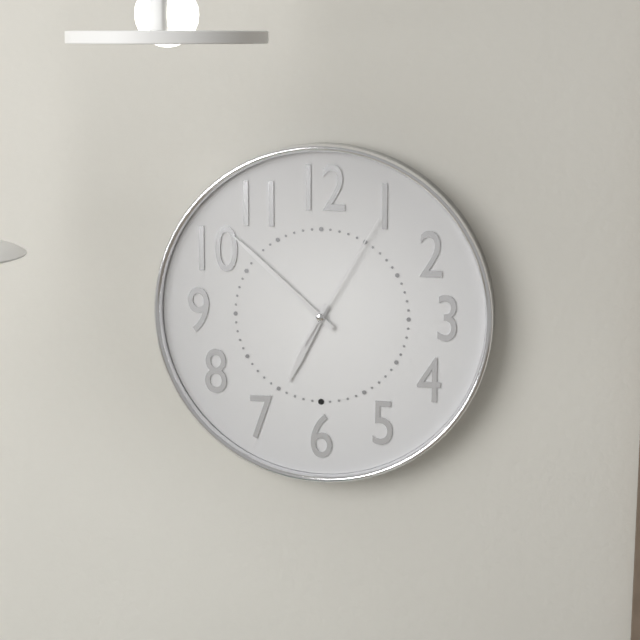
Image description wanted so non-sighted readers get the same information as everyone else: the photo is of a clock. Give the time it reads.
6:52:05
